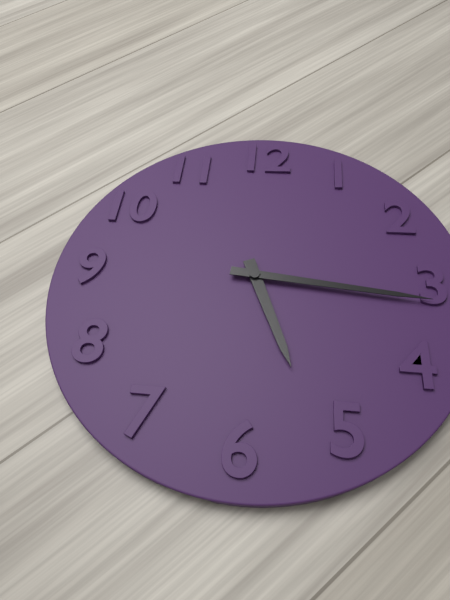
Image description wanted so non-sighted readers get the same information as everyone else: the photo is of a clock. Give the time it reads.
5:16
